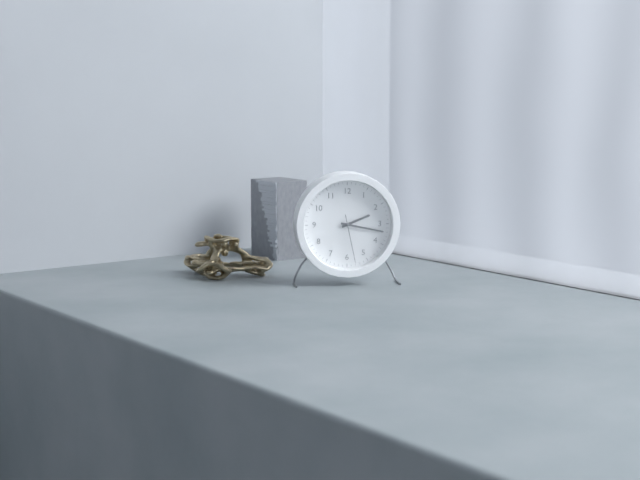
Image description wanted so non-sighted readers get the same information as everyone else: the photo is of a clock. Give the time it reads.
2:17
